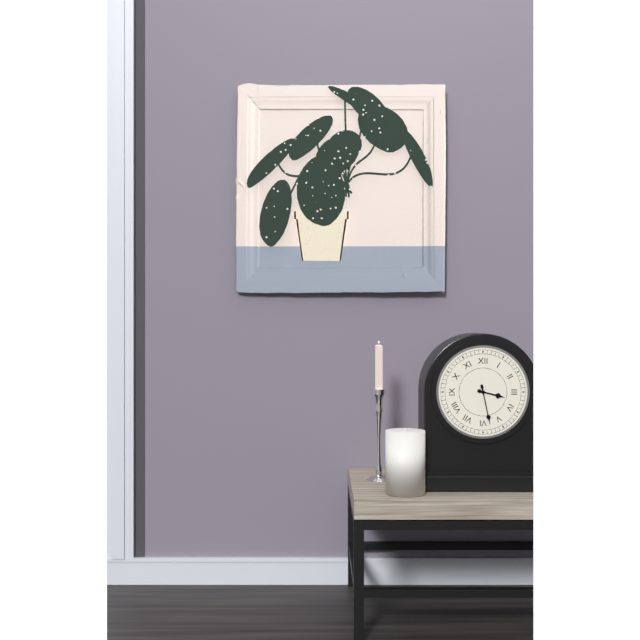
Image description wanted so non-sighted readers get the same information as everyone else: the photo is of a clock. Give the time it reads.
3:28
